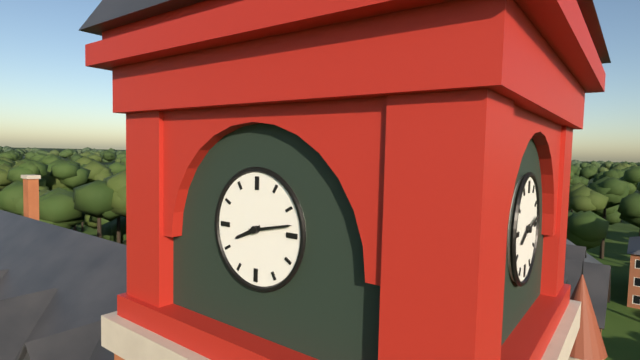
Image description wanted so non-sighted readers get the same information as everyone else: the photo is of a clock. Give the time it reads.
8:13
